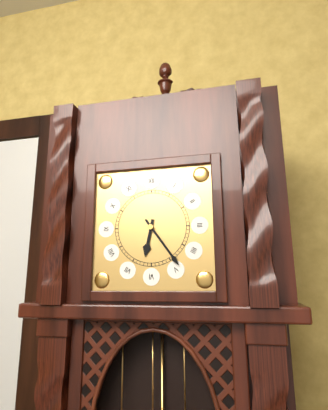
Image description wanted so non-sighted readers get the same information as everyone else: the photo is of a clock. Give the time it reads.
6:24
